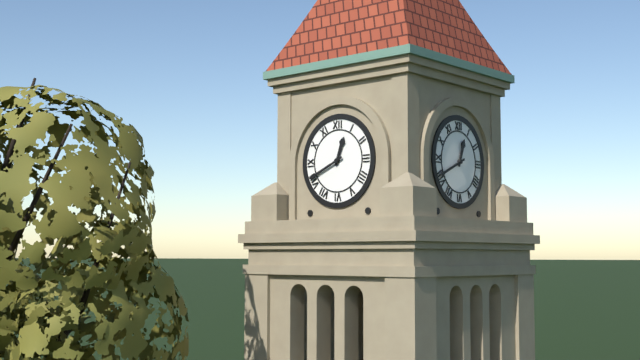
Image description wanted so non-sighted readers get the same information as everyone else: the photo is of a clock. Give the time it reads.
12:41
